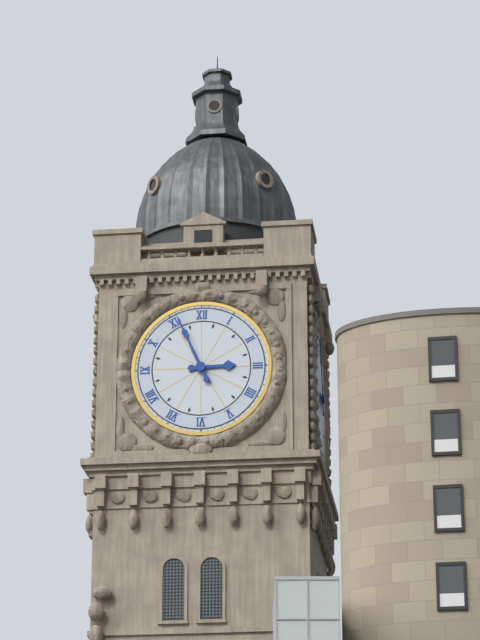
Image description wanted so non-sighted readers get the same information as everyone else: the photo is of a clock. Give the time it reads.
2:56
